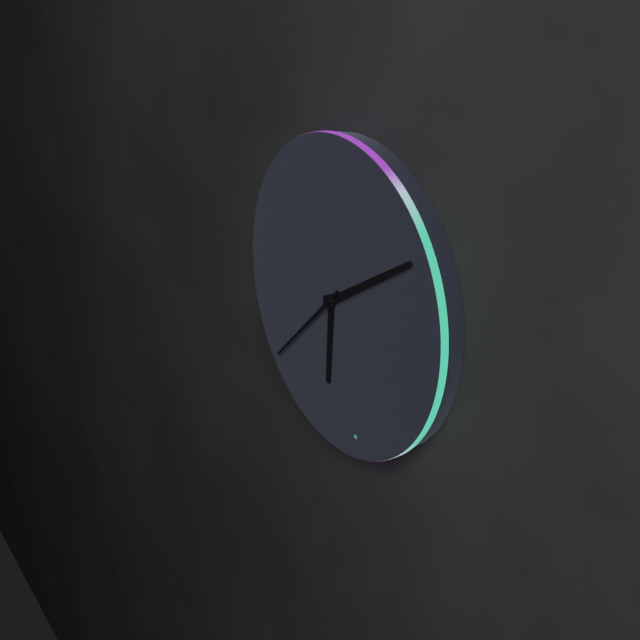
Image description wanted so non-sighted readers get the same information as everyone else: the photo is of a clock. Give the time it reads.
6:10:38
